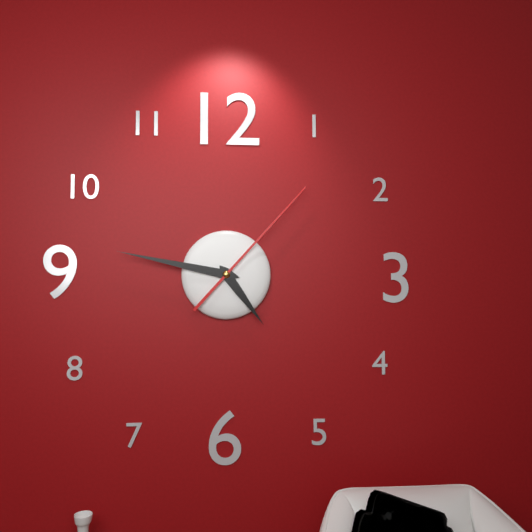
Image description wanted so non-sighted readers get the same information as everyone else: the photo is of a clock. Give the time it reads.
4:47:07
